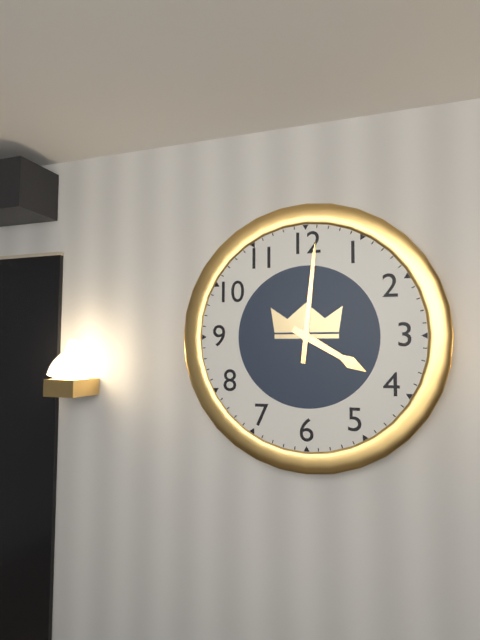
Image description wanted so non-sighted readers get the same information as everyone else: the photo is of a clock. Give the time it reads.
4:01
